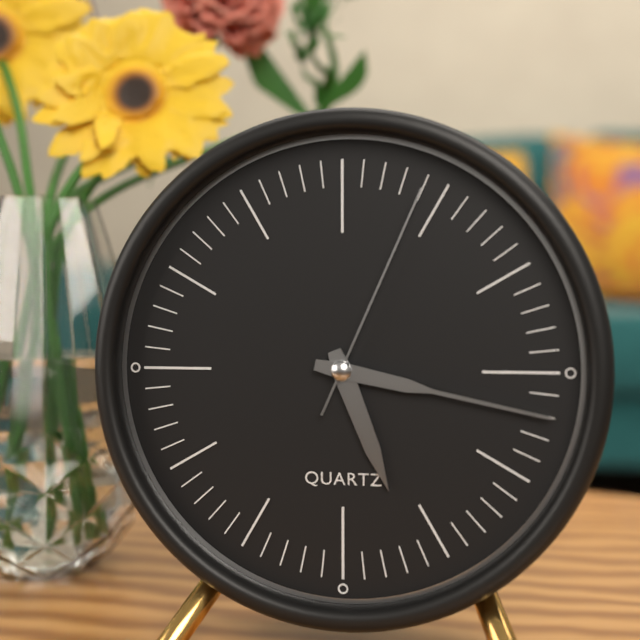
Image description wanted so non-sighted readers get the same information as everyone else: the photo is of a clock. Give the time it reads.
5:17:04
